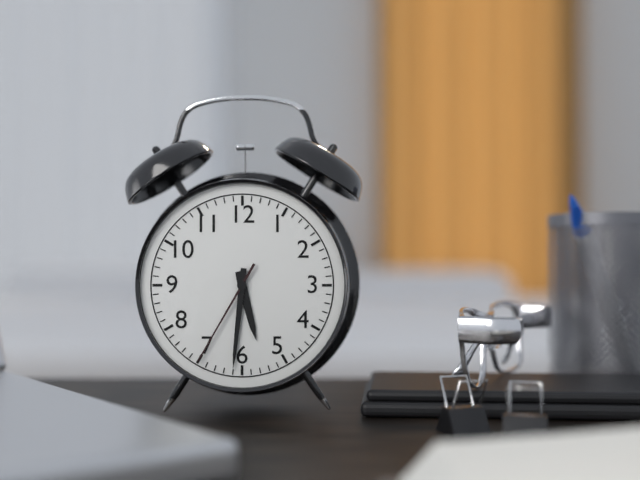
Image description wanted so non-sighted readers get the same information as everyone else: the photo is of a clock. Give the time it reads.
5:31:35
